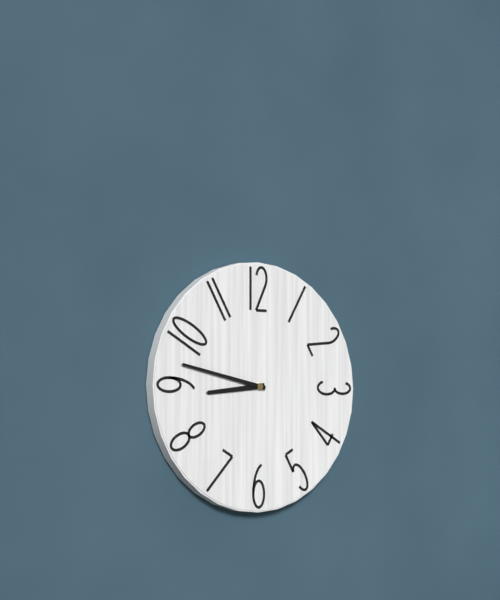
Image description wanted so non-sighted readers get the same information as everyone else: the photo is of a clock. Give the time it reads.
8:47
